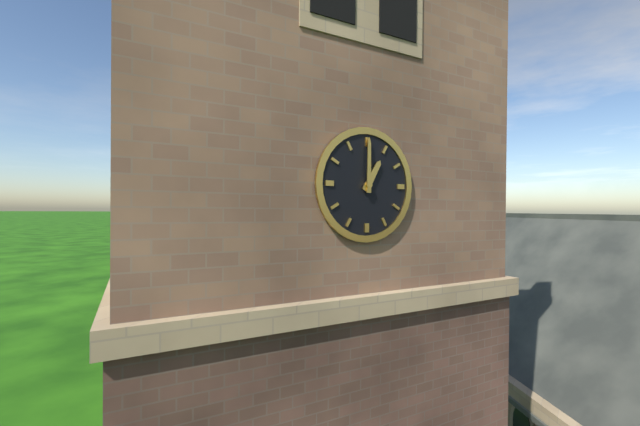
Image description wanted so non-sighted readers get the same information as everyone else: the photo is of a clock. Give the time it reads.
1:00
